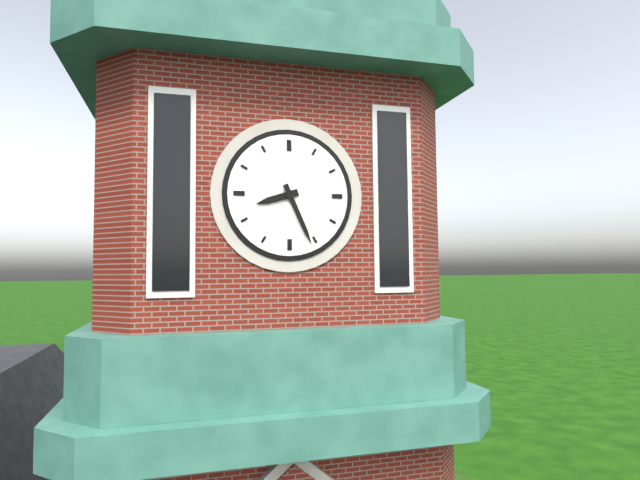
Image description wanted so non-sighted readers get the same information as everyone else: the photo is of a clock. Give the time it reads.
8:26
